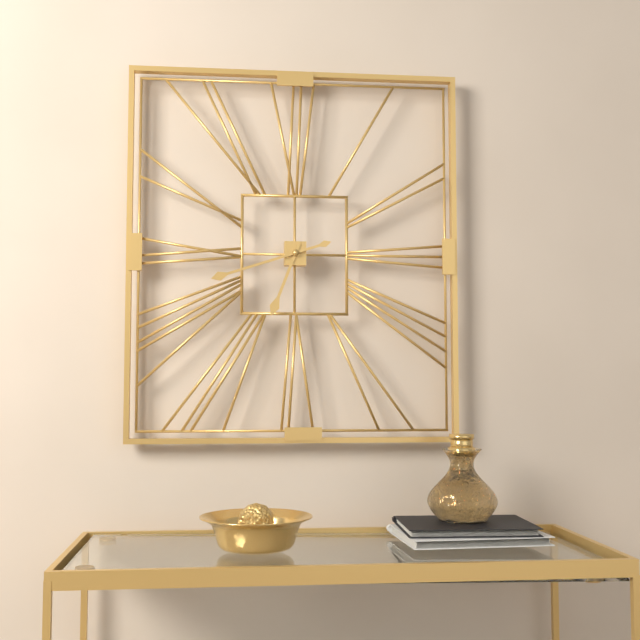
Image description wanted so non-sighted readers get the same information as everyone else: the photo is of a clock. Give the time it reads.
6:42
